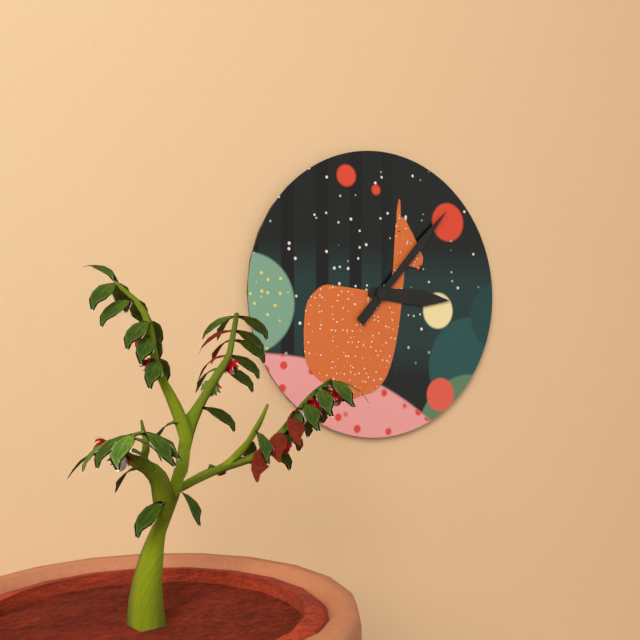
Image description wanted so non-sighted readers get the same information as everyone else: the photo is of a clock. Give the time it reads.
3:07
